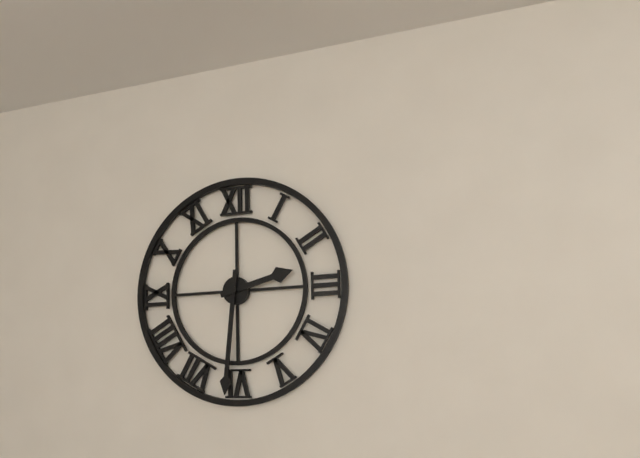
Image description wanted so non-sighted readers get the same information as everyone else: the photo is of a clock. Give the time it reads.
2:31
